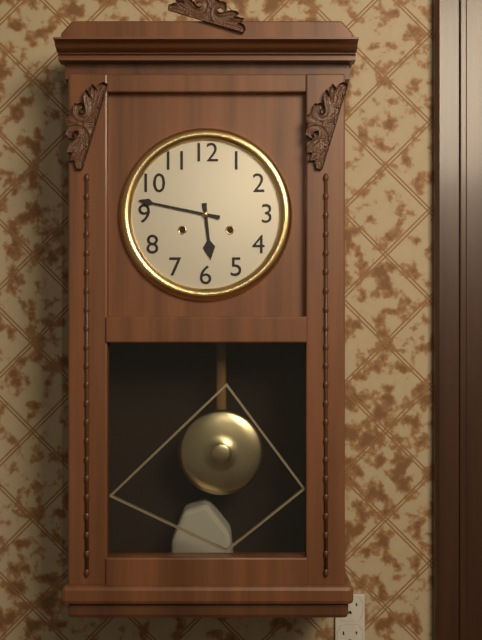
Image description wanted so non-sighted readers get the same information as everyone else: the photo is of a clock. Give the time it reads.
5:47
